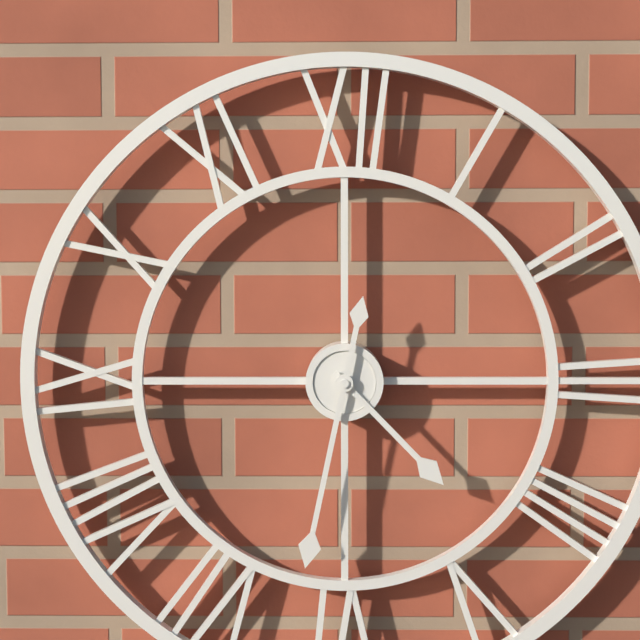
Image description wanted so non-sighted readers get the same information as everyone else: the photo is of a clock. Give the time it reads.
4:32
